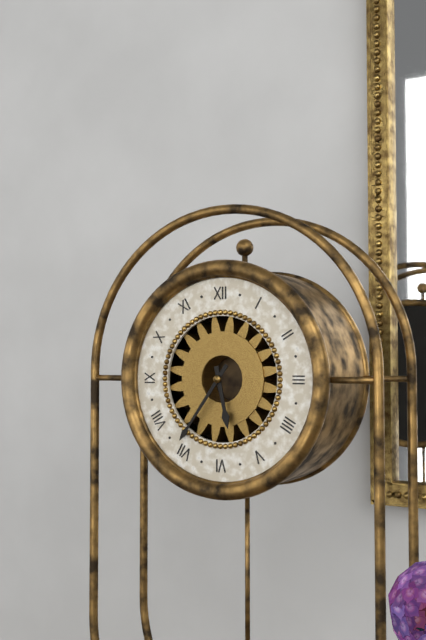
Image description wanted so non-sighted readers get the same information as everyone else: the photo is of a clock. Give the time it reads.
5:36
